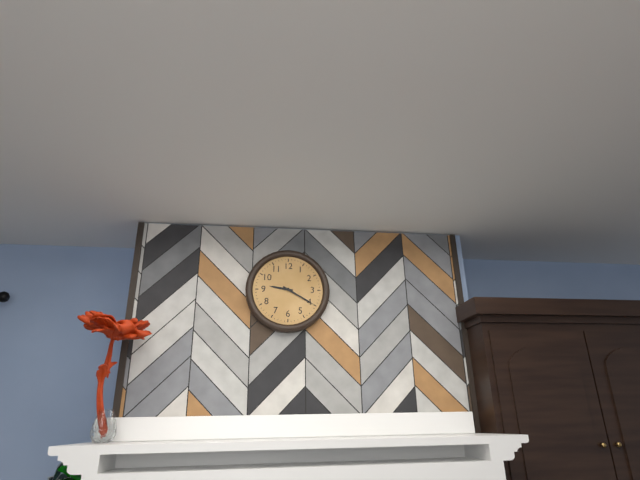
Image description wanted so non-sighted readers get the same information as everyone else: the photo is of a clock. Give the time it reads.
9:20
